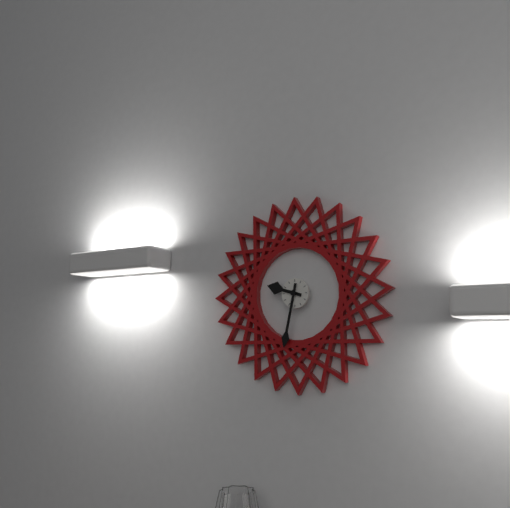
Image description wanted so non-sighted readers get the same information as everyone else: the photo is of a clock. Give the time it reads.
9:32
